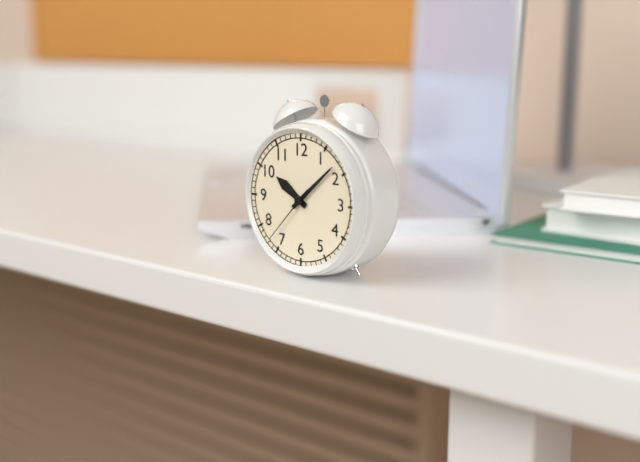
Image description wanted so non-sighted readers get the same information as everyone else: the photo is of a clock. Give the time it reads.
10:08:37
